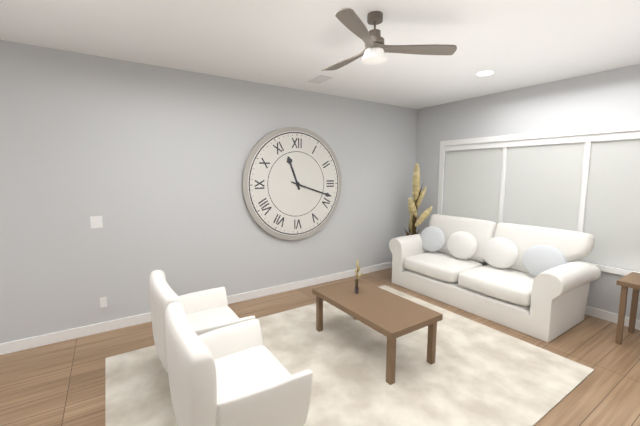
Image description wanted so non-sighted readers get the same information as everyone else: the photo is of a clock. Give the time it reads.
11:18
